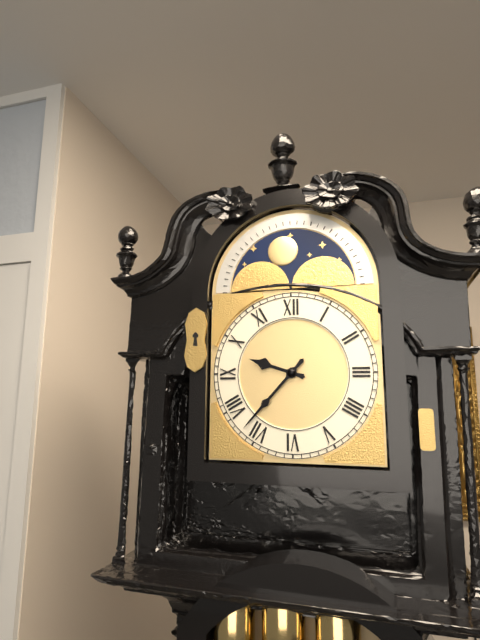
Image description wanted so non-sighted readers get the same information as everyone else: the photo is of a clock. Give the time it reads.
9:37
